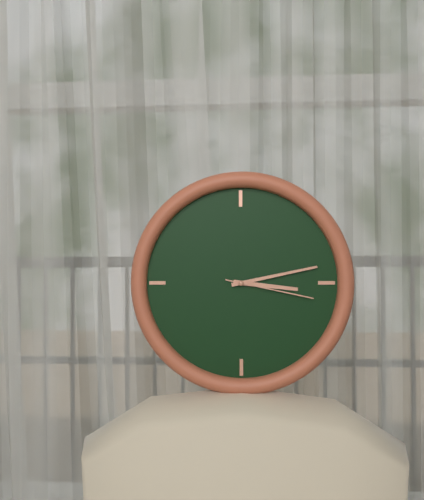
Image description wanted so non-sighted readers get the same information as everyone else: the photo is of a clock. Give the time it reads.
3:13:17
